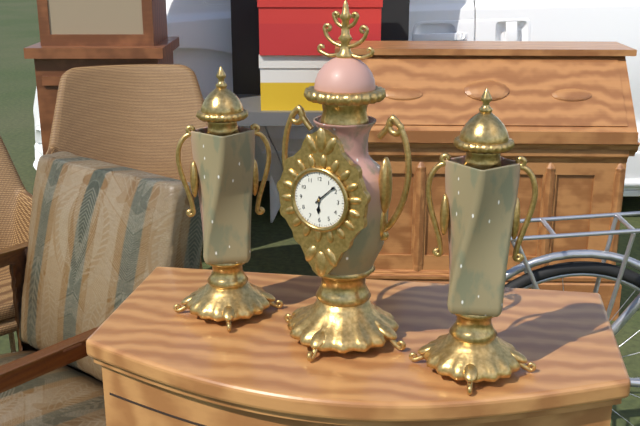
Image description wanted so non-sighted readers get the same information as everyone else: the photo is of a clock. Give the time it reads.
6:08
